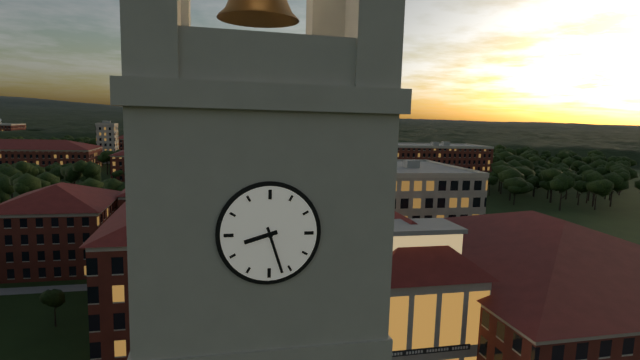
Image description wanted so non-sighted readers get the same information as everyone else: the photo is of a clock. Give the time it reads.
8:27
